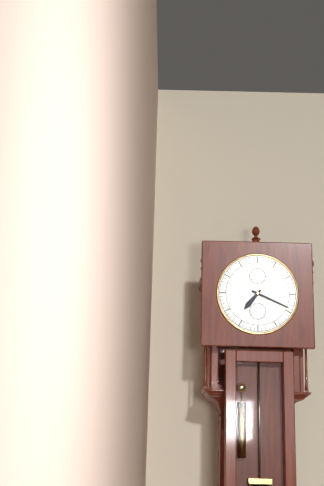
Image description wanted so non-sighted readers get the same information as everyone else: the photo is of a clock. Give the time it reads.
7:19
